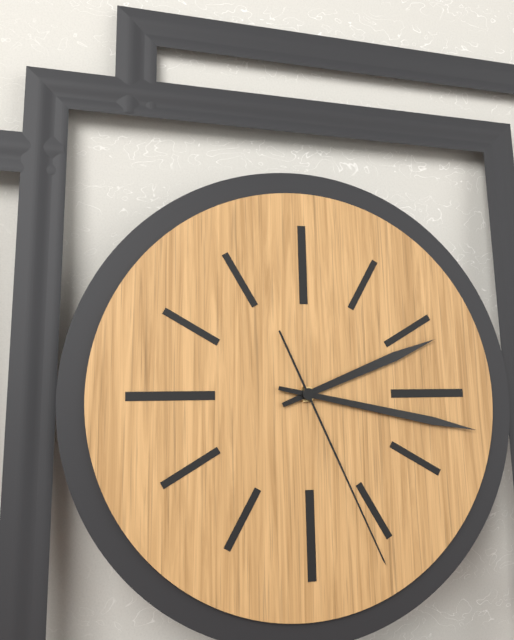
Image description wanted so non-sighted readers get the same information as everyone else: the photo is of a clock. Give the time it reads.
2:17:26
